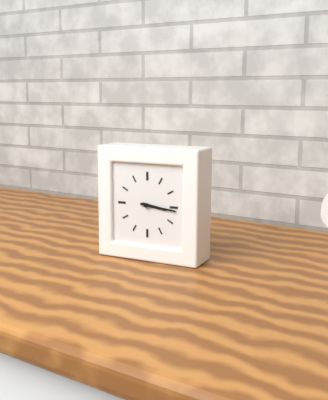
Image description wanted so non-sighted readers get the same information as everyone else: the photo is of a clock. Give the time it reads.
3:16
